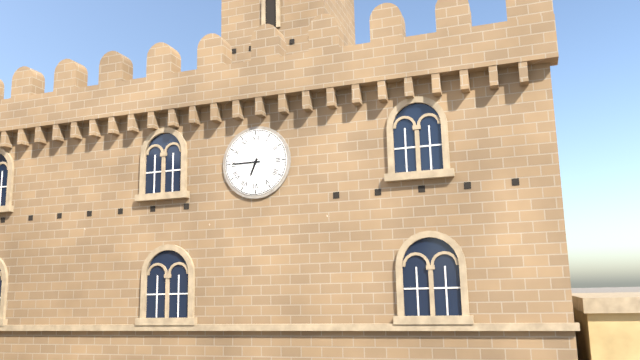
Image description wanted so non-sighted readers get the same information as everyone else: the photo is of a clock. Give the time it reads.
6:45
